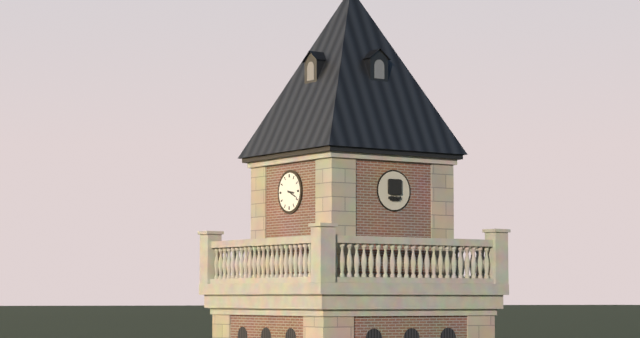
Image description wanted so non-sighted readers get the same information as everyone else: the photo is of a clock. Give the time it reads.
3:19
